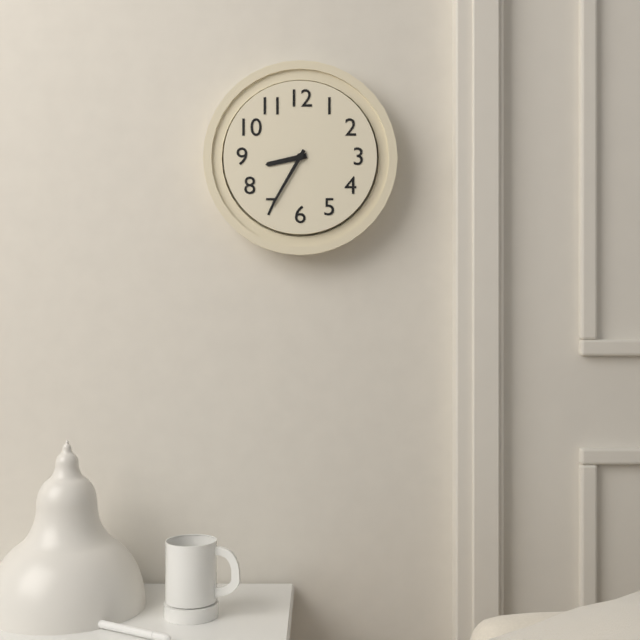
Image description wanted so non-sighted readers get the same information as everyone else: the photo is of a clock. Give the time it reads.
8:35
